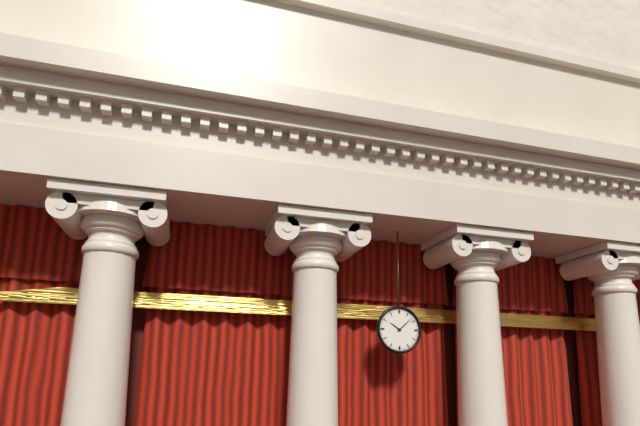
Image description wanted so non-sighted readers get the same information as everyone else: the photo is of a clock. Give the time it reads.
10:08
